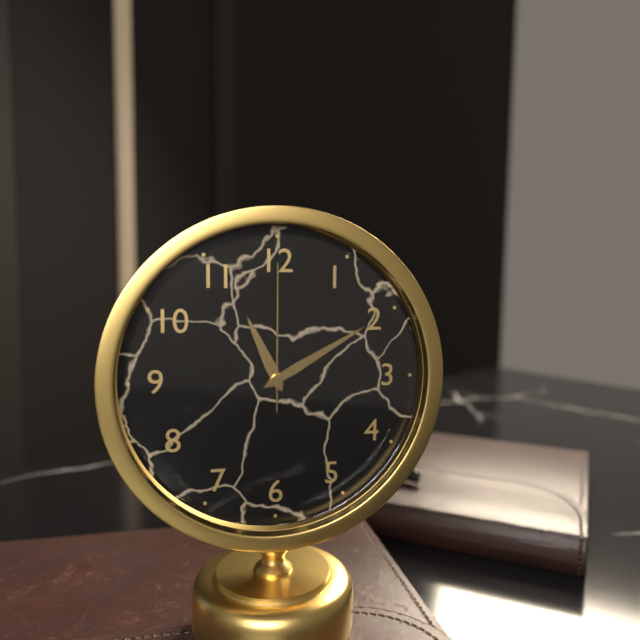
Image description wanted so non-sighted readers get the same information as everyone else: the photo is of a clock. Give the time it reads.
11:10:00
